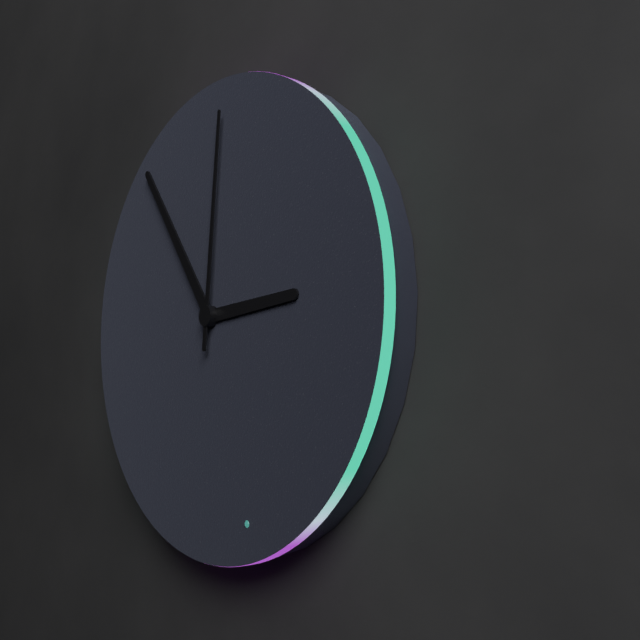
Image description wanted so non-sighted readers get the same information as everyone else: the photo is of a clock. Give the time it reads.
2:54:01
